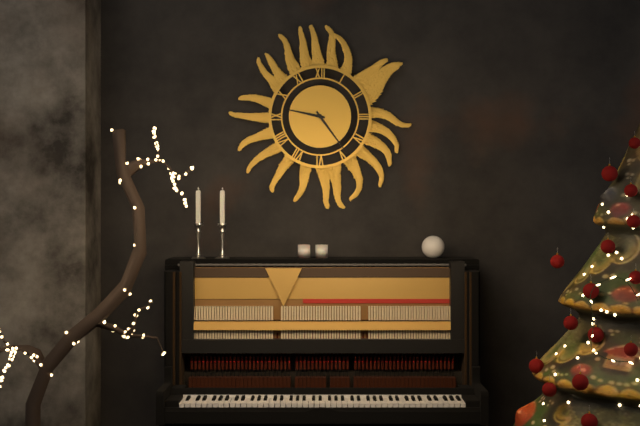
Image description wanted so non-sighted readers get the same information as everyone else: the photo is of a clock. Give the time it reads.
9:24
